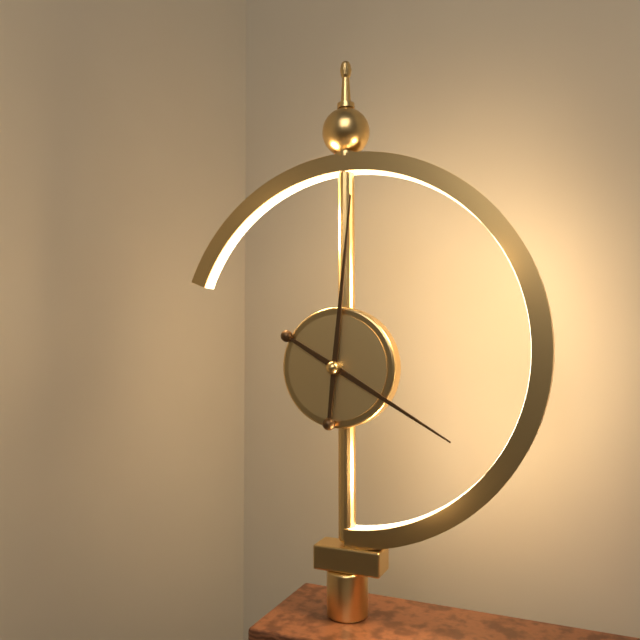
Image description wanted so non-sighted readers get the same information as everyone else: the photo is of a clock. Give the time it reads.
4:01
